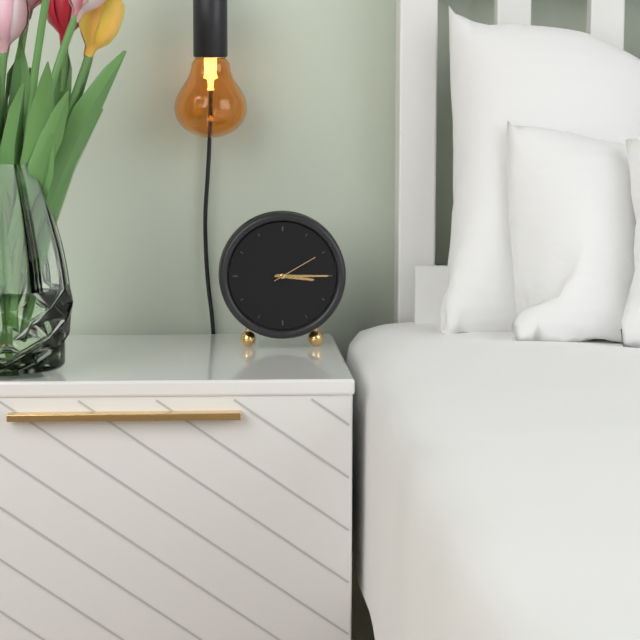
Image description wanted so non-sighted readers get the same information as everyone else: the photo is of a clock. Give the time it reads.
3:15
